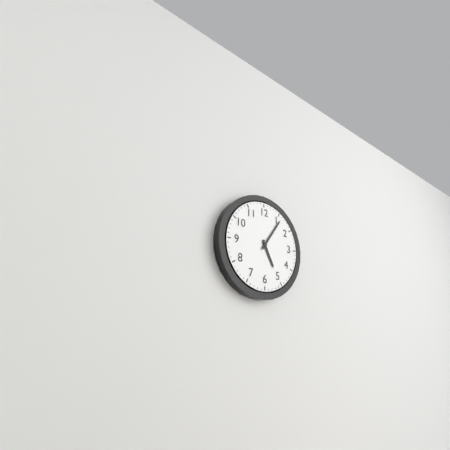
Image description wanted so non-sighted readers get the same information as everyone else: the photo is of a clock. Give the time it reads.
5:06
